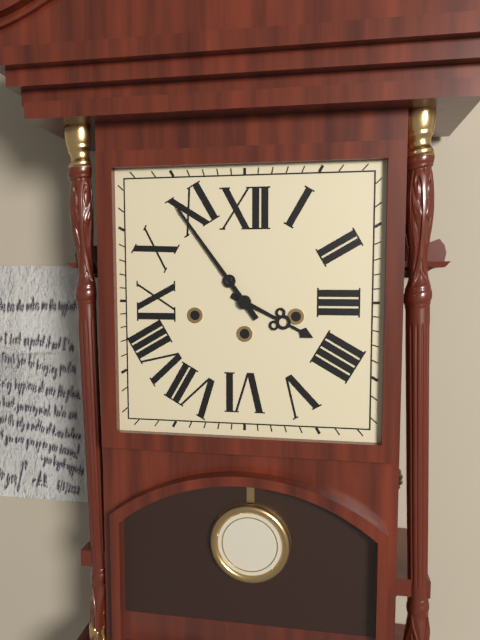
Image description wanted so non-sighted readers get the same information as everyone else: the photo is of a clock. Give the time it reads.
3:54
